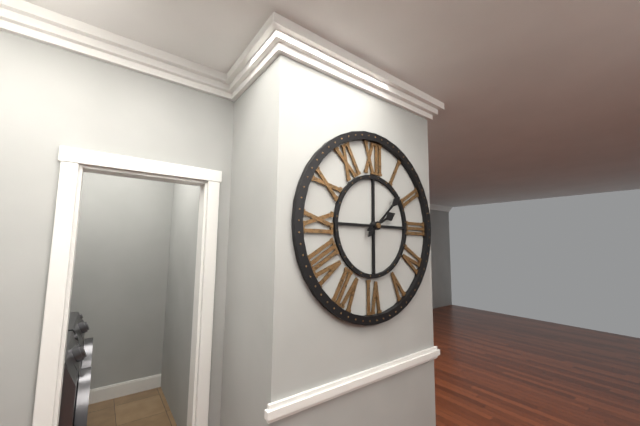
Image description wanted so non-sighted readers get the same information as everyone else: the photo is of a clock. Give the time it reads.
2:08
